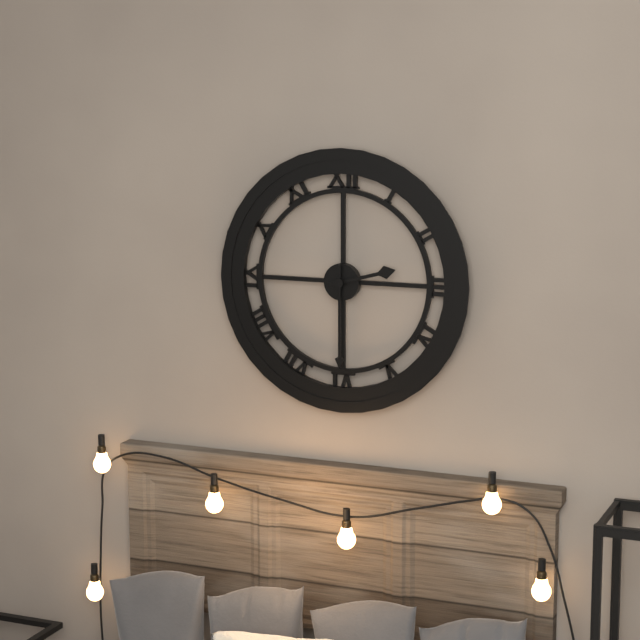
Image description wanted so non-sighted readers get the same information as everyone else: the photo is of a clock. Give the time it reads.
2:30
